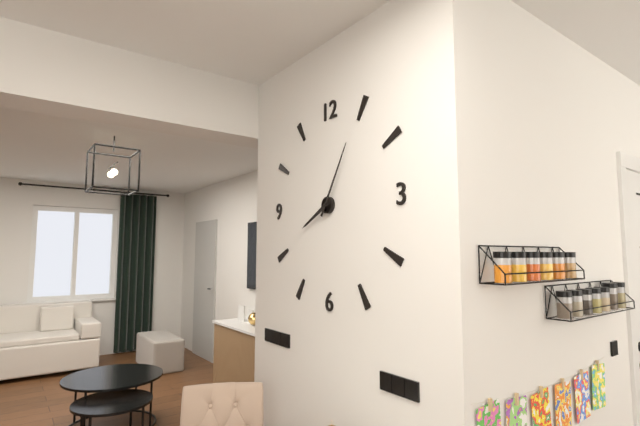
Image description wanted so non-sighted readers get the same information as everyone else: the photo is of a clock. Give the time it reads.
8:05
